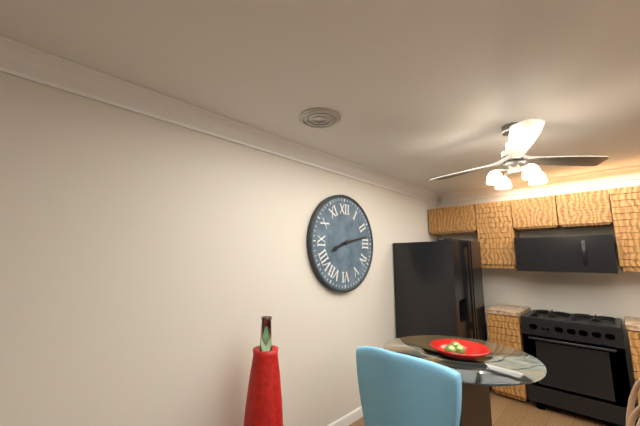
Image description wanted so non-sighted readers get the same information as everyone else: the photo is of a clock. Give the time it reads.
8:13
